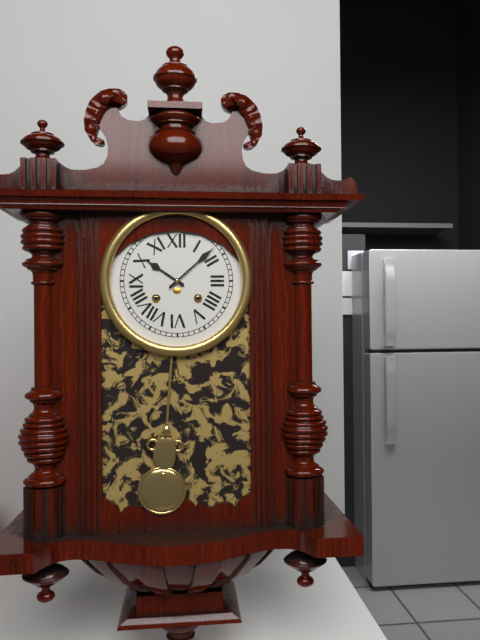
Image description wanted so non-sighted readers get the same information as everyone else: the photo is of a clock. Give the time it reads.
10:08
